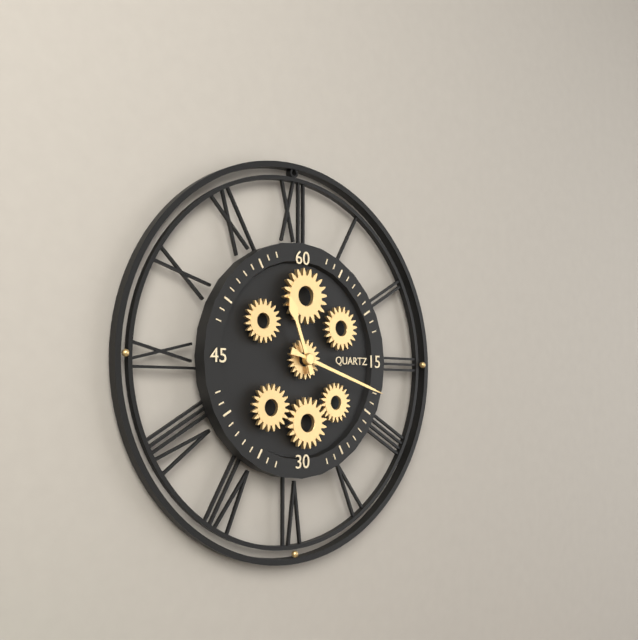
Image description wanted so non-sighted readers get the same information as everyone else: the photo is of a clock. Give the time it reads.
11:18
